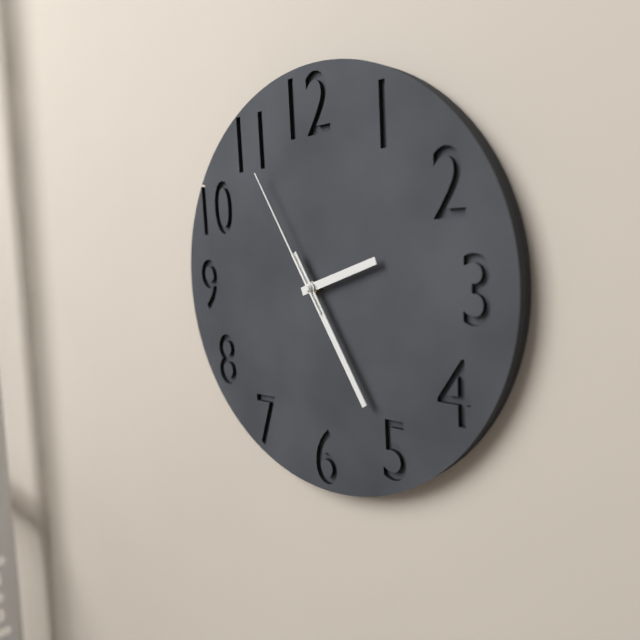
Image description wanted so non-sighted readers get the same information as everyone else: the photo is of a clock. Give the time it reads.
2:25:55
